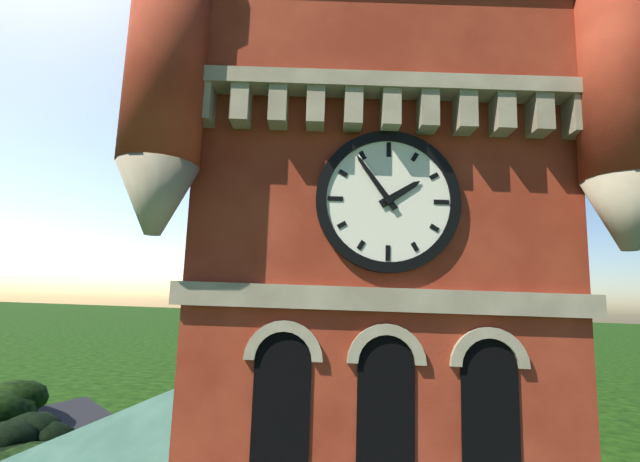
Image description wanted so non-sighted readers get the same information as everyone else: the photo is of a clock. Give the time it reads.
1:54
